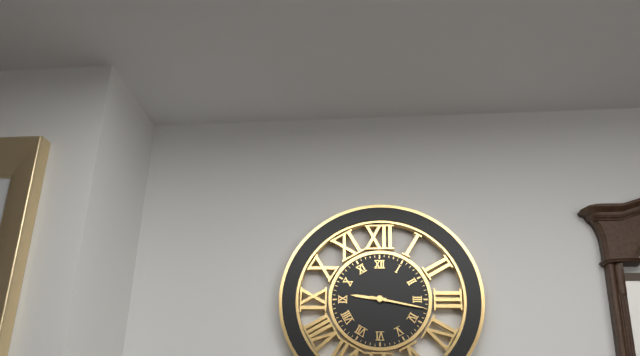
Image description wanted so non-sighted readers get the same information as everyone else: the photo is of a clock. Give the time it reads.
9:17
